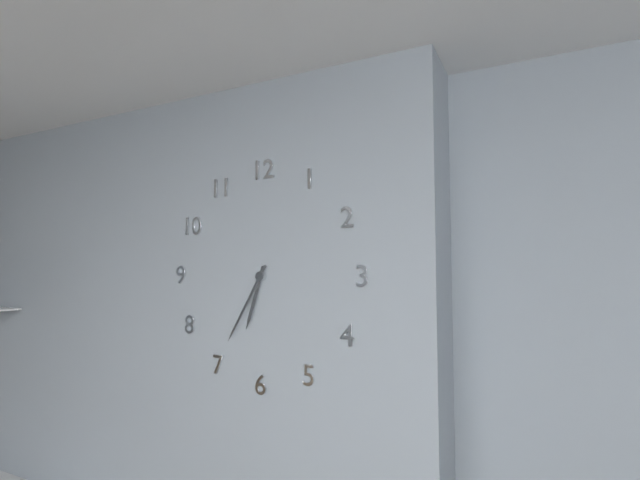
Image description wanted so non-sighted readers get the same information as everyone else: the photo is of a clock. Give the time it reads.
6:35
